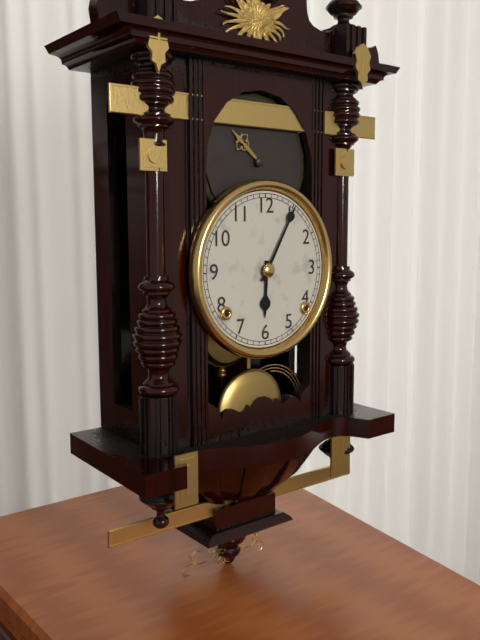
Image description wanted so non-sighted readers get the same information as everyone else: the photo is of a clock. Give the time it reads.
6:05
